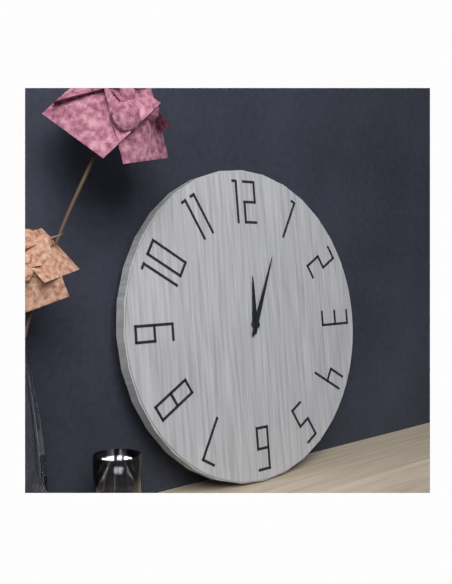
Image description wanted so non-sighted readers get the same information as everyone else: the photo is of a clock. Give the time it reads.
12:04
